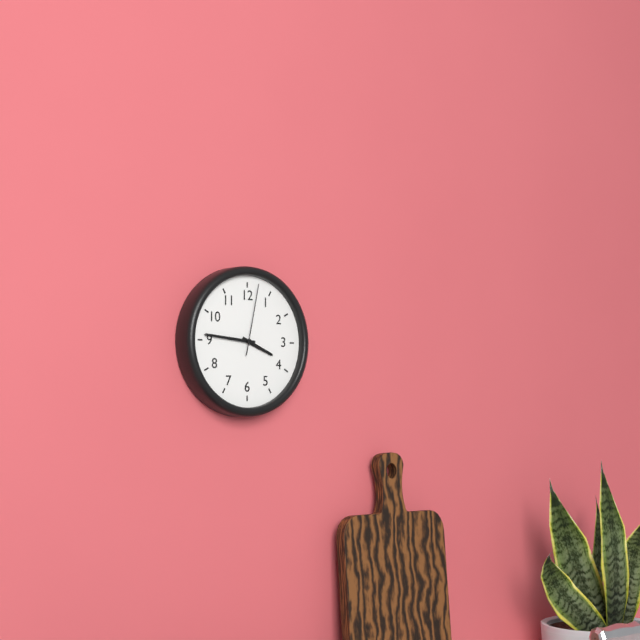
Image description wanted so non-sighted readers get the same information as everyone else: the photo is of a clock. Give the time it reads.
3:46:02
